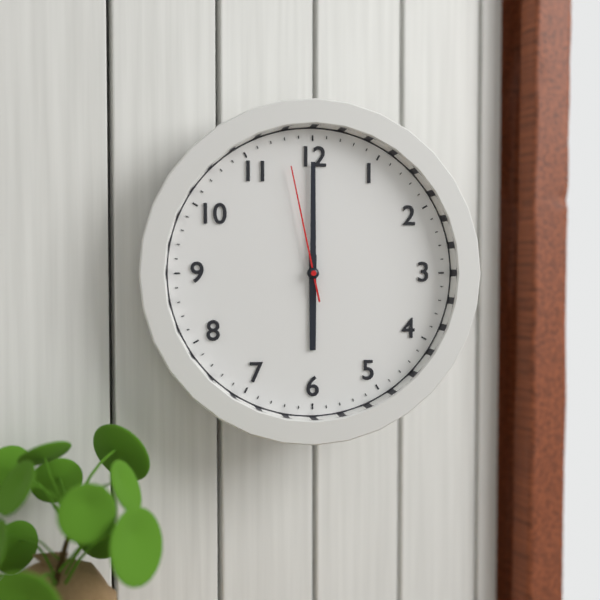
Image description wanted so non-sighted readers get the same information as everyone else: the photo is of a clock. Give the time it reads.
6:00:58
